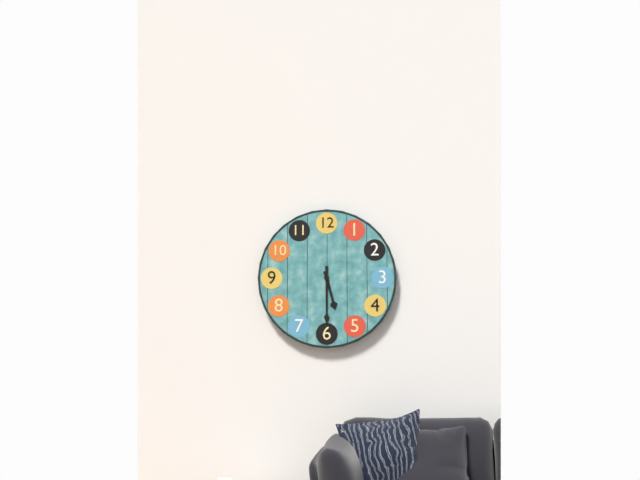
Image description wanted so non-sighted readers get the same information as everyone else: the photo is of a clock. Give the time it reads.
5:30
